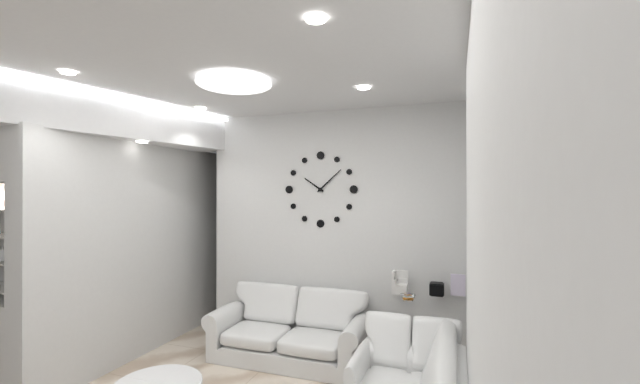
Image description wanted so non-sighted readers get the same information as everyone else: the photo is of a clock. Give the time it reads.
10:08
